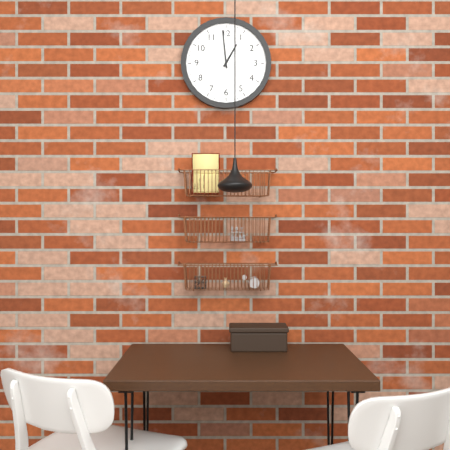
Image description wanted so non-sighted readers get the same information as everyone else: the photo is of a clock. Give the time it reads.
12:59
